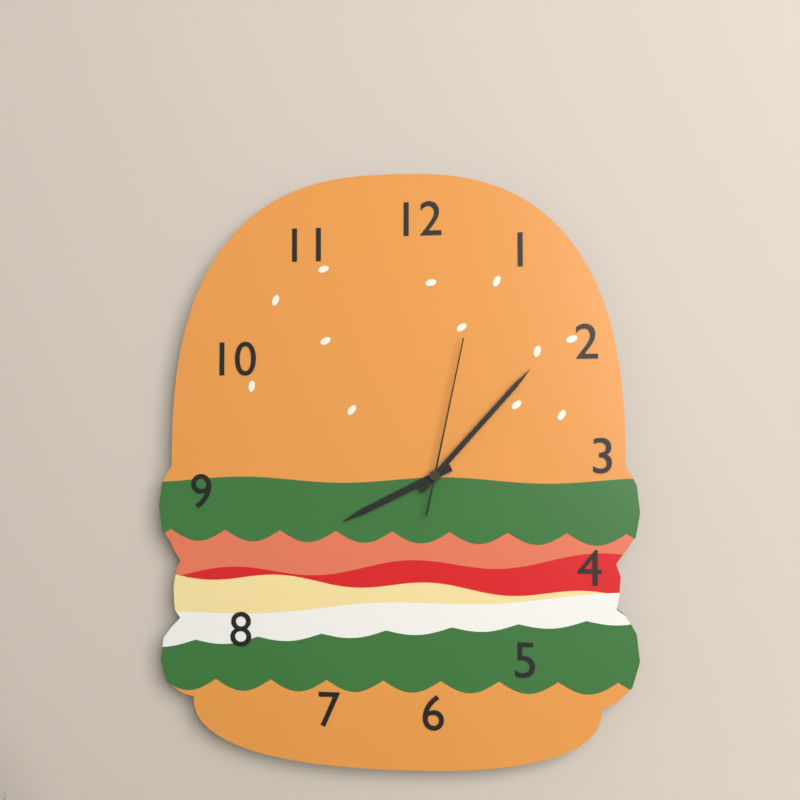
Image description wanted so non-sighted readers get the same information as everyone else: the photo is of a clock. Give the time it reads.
8:07:02
